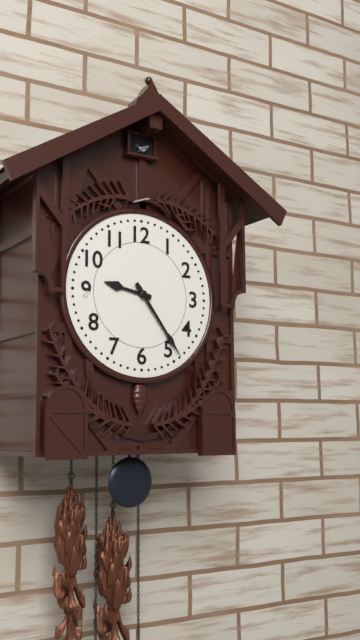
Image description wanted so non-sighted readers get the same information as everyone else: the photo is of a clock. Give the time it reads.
9:24
